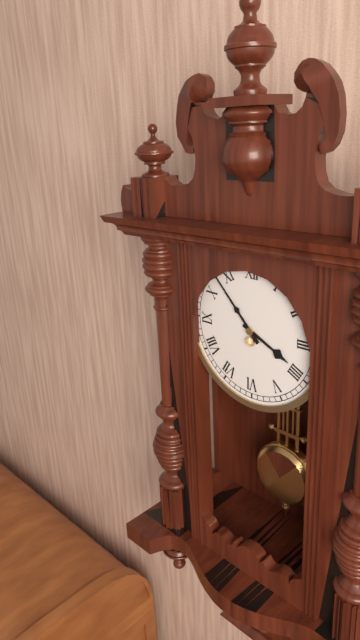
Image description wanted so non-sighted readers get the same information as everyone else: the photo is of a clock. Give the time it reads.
3:53
